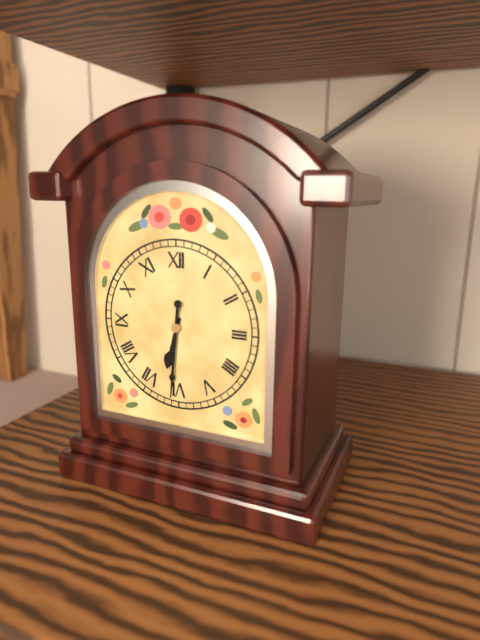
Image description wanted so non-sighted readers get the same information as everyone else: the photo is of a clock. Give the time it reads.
6:31
